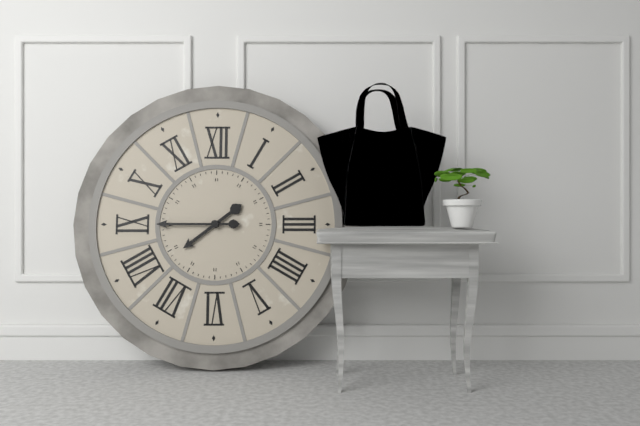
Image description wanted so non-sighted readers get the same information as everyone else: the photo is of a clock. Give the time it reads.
7:45
